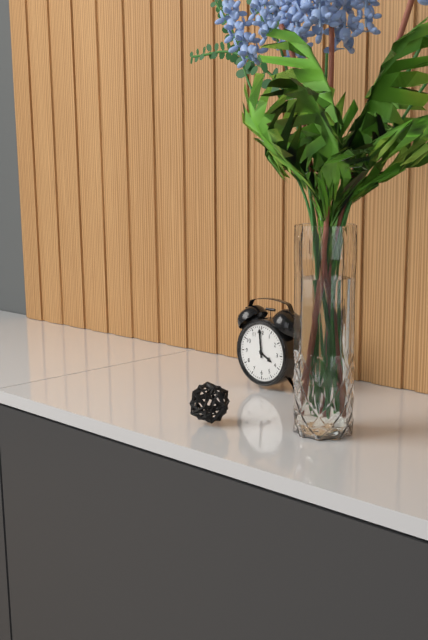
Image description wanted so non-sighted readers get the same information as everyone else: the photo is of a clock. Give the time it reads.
3:59
